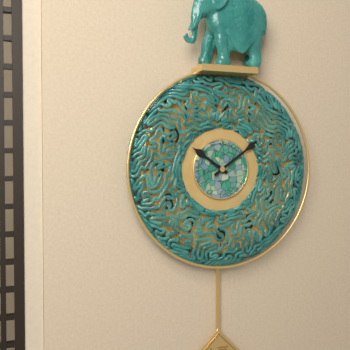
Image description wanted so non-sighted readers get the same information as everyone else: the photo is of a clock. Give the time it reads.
10:09
